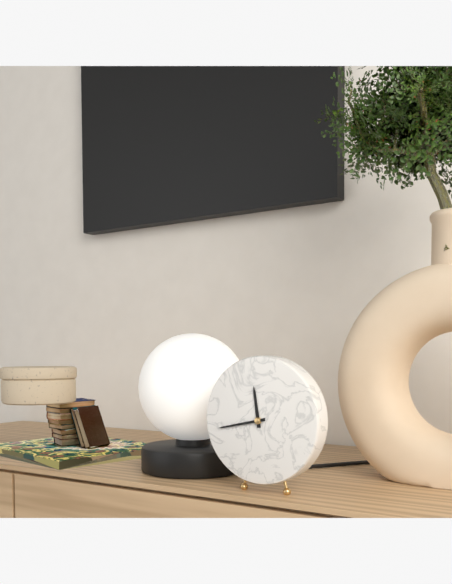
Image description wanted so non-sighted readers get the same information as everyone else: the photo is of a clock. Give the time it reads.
11:43
